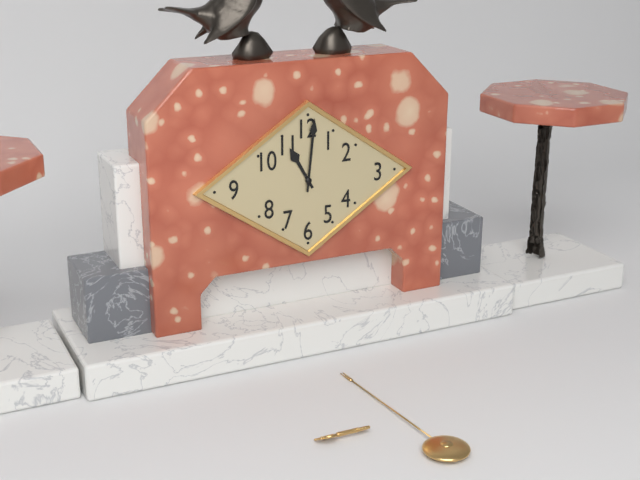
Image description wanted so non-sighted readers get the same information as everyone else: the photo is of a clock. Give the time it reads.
11:01
